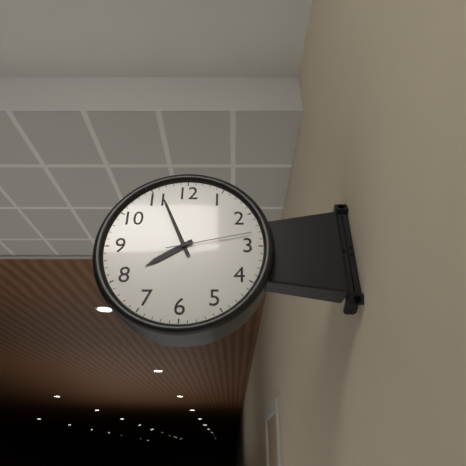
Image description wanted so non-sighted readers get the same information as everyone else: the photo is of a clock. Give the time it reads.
7:56:13
